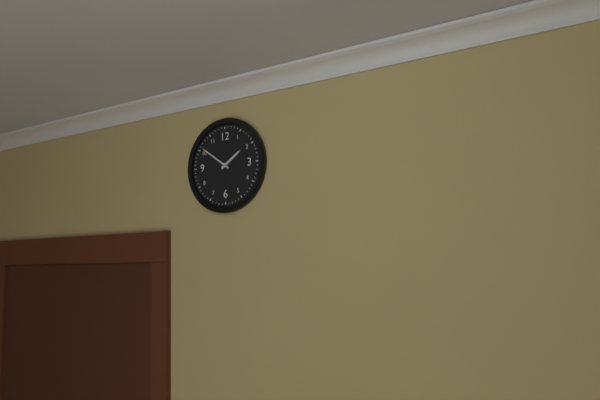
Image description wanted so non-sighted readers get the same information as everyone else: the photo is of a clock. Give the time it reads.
1:51
